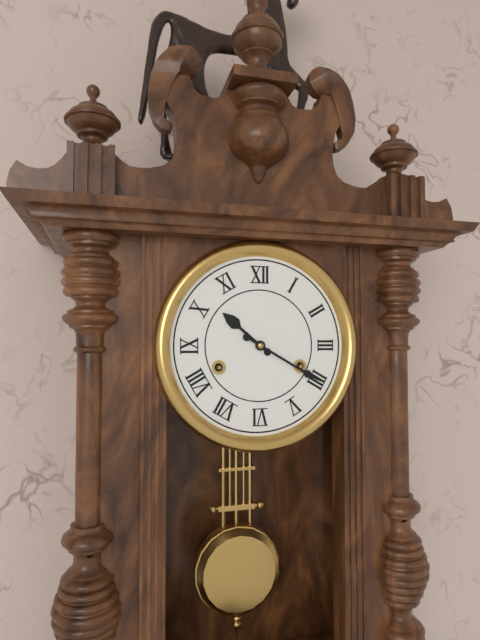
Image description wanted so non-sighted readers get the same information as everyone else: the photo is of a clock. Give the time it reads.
10:20
